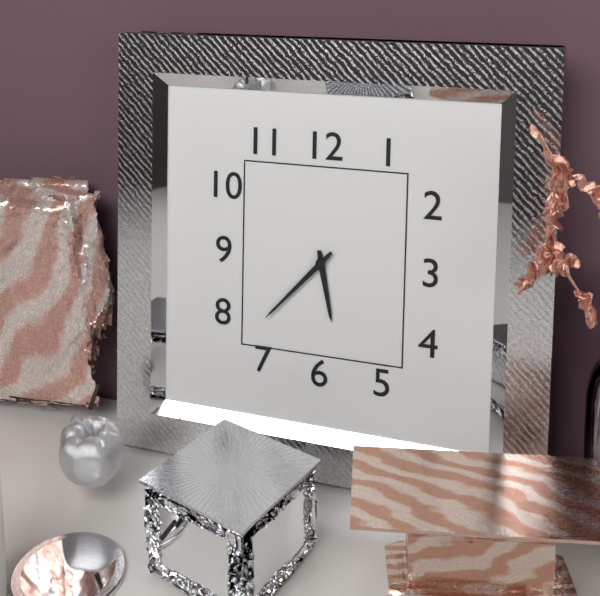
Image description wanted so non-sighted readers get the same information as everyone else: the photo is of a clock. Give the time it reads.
5:37
